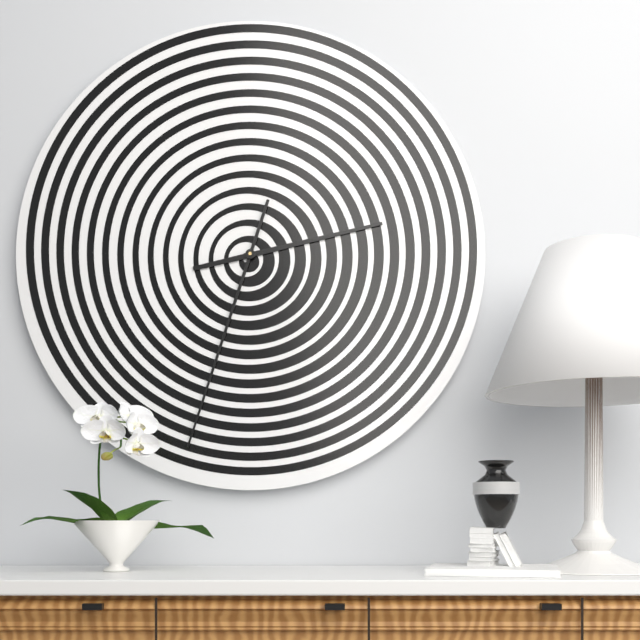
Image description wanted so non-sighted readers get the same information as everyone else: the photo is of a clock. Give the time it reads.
2:33
